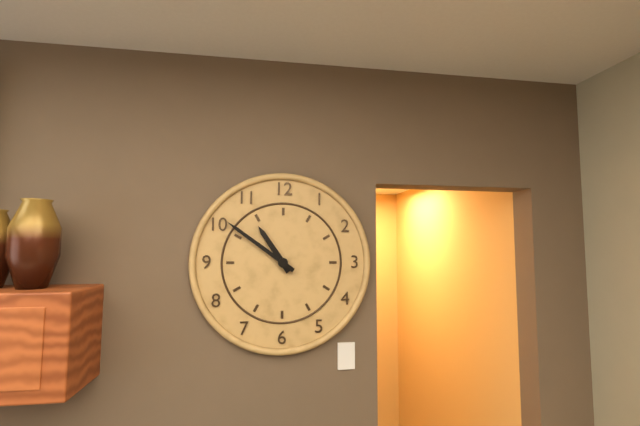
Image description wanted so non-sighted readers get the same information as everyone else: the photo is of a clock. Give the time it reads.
10:51
